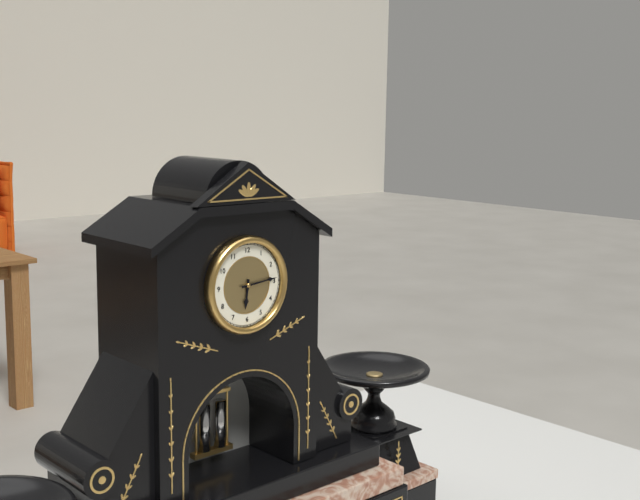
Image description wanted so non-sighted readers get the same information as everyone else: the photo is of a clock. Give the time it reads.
6:14
